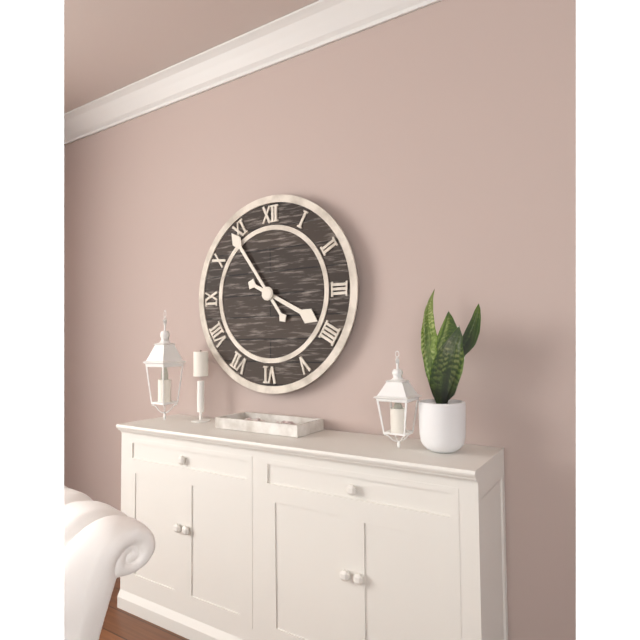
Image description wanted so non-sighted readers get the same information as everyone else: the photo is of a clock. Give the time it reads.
3:54
